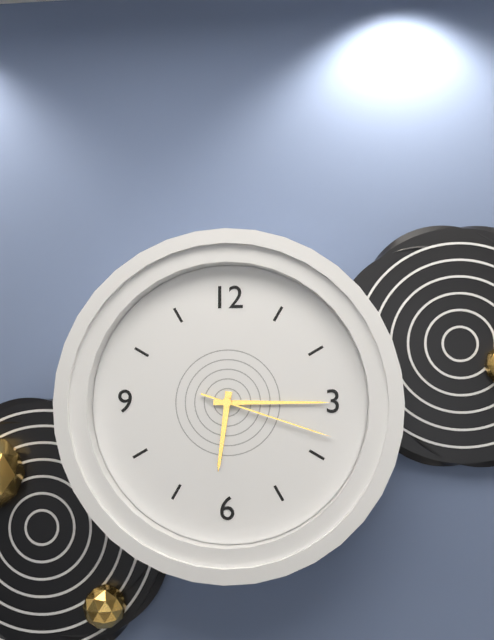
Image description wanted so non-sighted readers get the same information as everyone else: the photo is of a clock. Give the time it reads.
6:15:18
